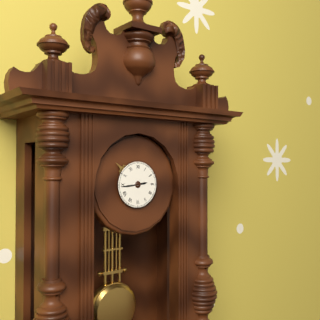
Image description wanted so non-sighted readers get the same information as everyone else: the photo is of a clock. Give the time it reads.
2:44
